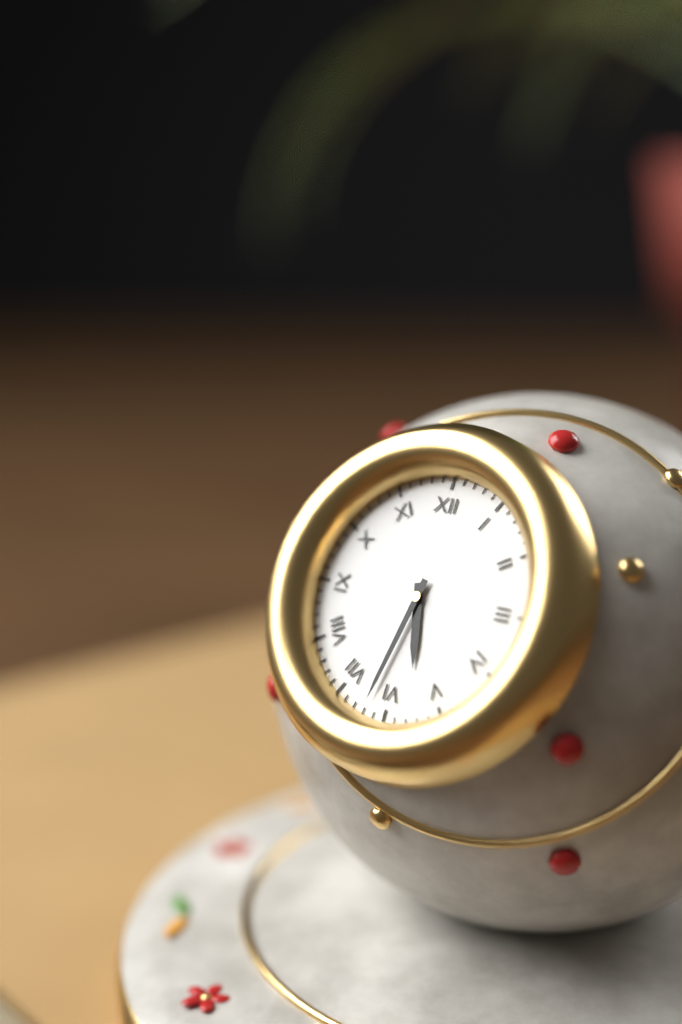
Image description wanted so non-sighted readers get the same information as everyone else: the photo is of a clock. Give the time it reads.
5:32
